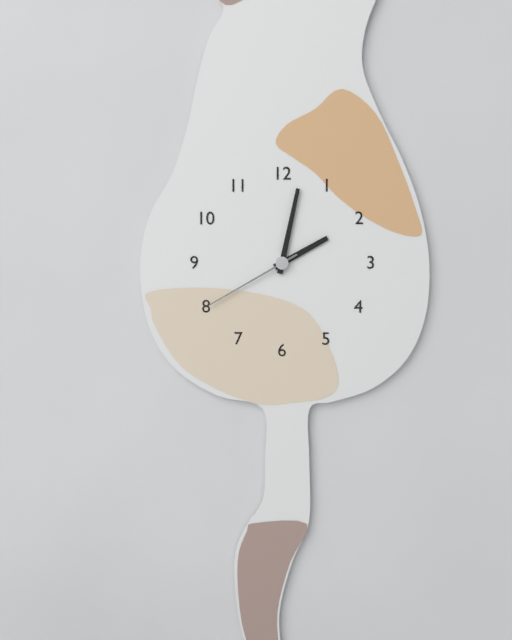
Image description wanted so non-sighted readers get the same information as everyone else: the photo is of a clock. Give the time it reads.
2:02:40
